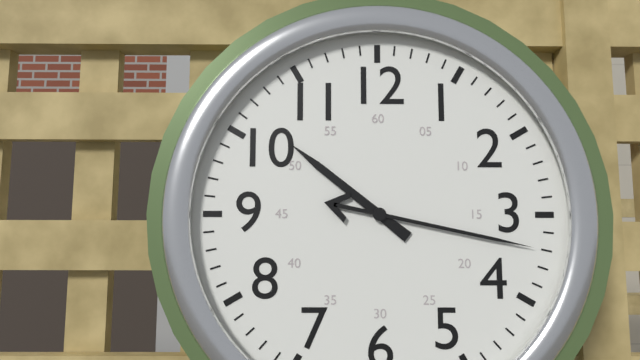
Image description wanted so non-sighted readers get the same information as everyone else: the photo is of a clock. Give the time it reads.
10:17
